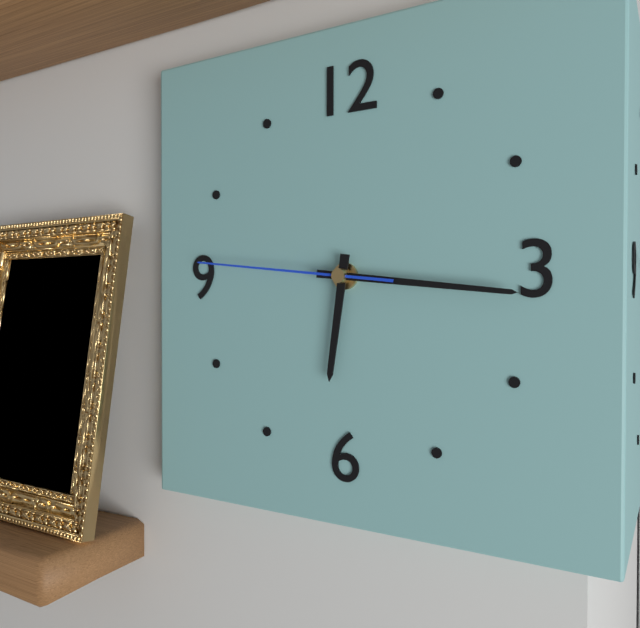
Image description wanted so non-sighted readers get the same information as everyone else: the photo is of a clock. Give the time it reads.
6:16:46
